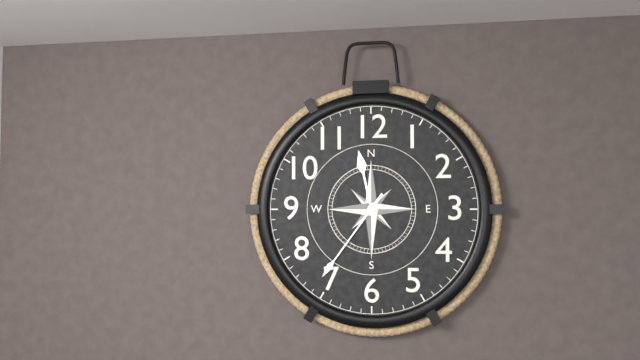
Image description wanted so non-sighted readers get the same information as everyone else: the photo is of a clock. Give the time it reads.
11:36
